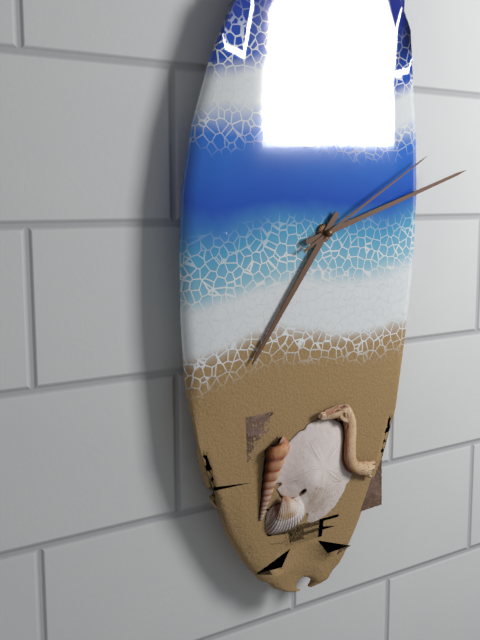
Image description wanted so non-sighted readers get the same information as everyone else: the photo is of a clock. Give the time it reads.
7:12:10
